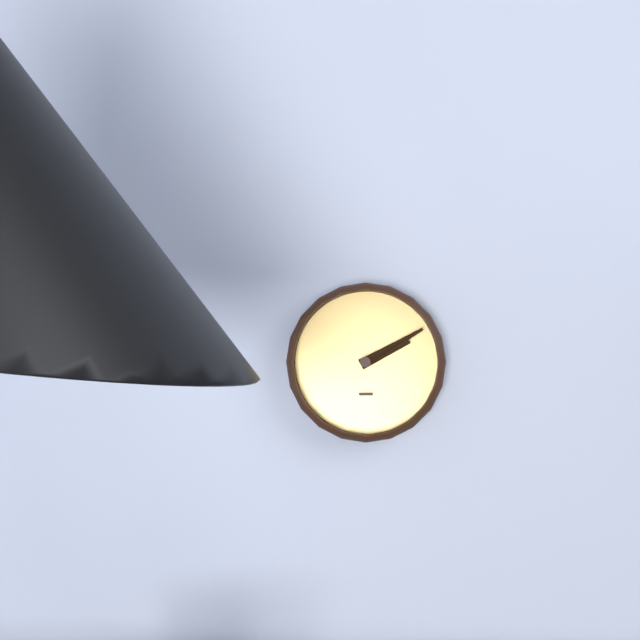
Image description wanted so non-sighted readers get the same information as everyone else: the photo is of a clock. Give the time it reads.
2:10
